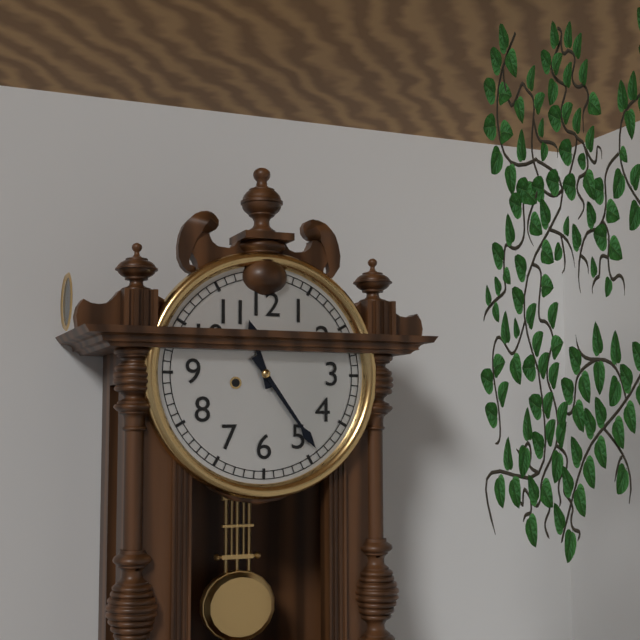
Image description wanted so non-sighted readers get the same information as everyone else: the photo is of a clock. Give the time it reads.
11:24
